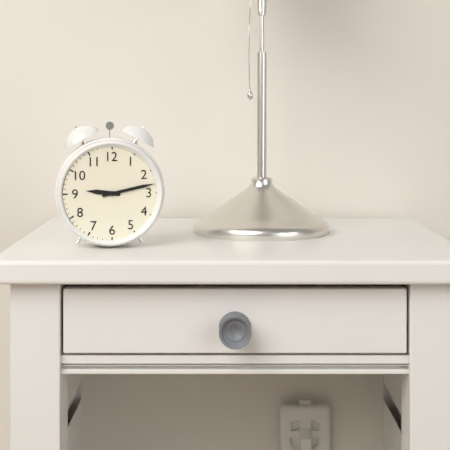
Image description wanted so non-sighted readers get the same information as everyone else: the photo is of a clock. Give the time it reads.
9:13
